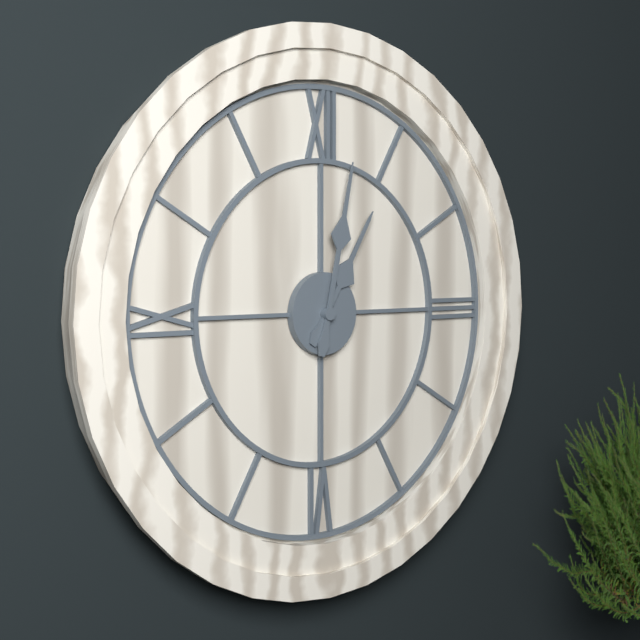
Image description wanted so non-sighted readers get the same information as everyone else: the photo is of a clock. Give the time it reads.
1:02
